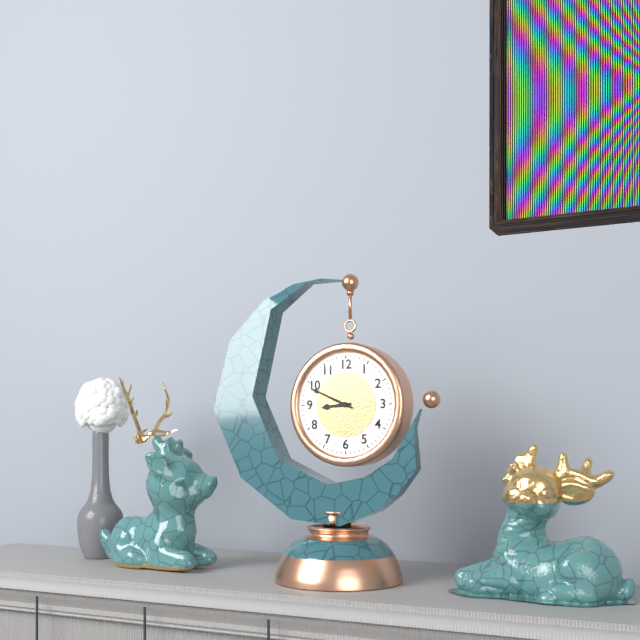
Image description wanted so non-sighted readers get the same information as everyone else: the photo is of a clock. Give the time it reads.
8:49
